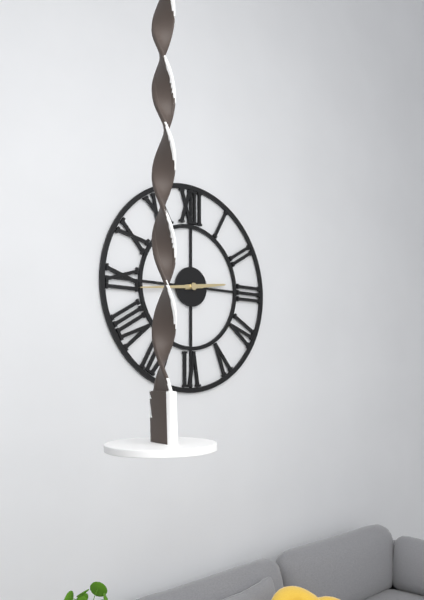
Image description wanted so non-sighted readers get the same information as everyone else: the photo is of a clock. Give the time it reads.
2:44
